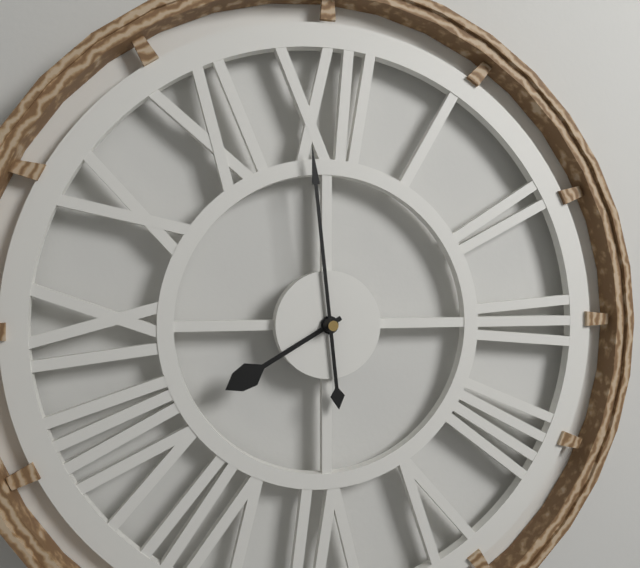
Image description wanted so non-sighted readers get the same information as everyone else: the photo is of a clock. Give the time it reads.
7:59
